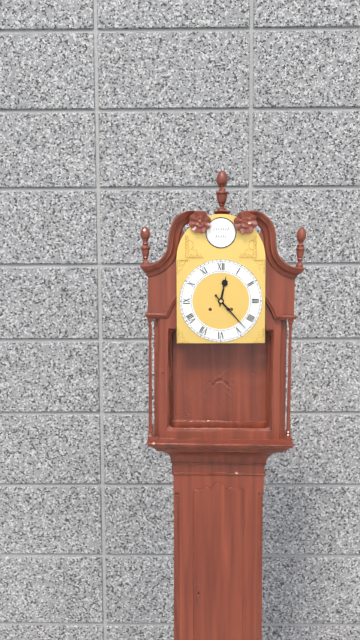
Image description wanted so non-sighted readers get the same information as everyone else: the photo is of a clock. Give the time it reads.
12:23
